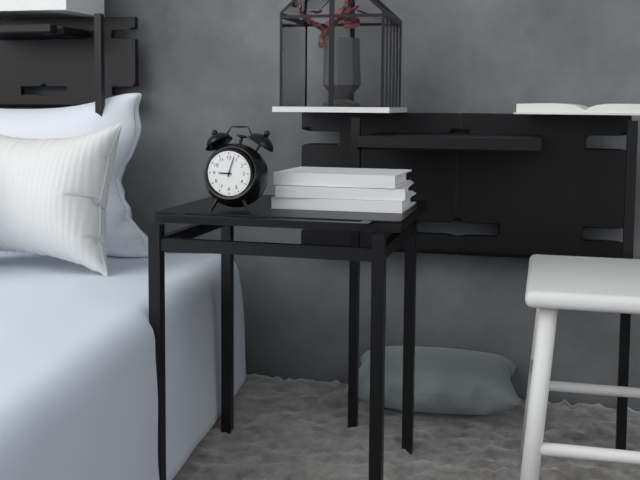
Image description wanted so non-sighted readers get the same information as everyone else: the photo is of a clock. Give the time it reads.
9:03
